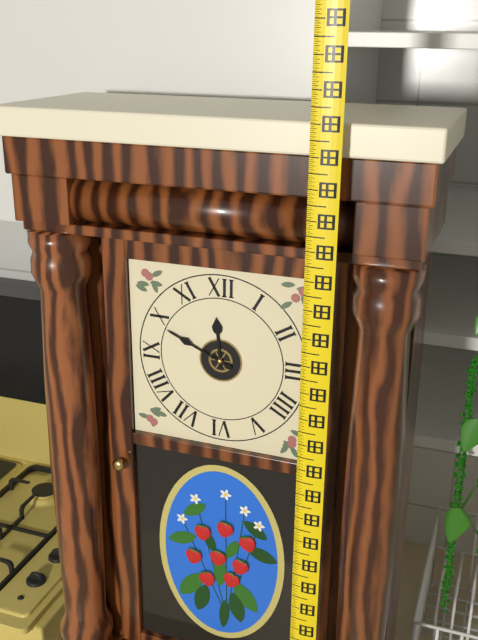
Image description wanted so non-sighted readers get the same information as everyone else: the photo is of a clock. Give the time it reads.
11:49
